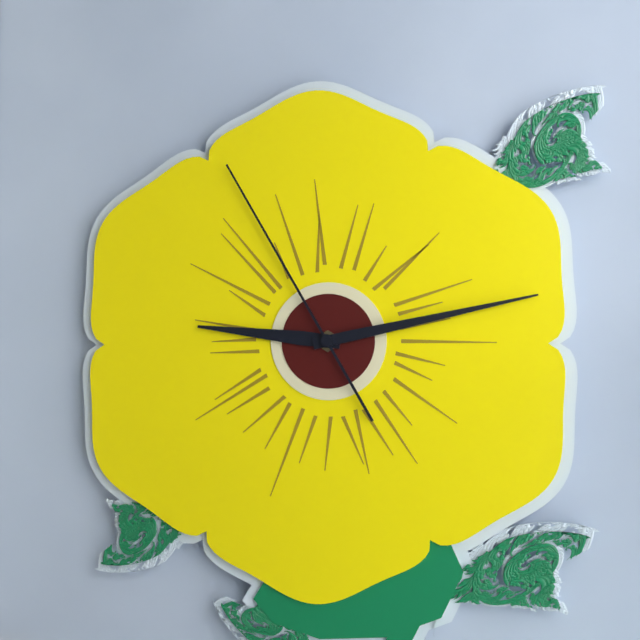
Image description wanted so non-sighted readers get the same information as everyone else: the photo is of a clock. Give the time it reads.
9:13:55
